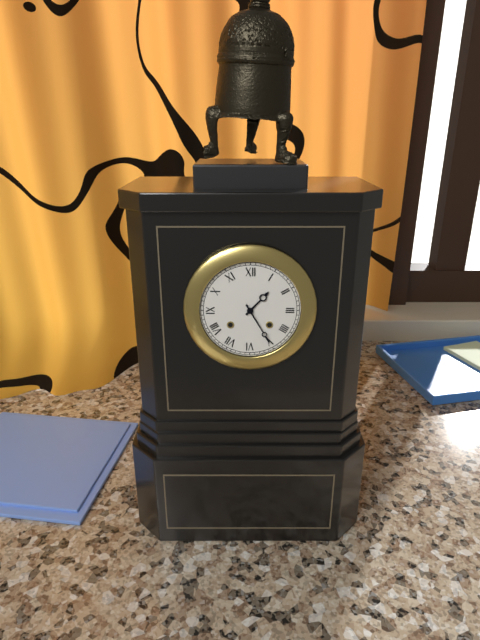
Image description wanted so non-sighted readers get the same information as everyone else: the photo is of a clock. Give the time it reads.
1:25
